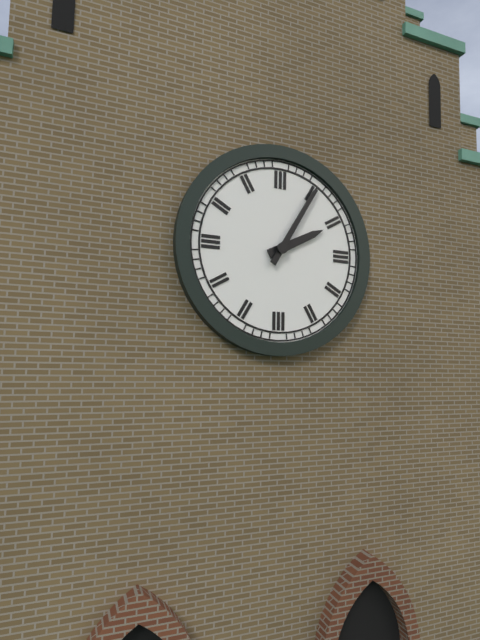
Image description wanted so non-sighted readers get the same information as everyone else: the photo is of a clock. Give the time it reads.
2:05
